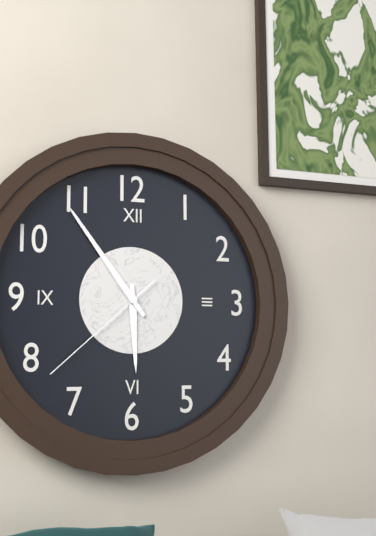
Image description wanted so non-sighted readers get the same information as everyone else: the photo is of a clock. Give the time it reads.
5:54:38
